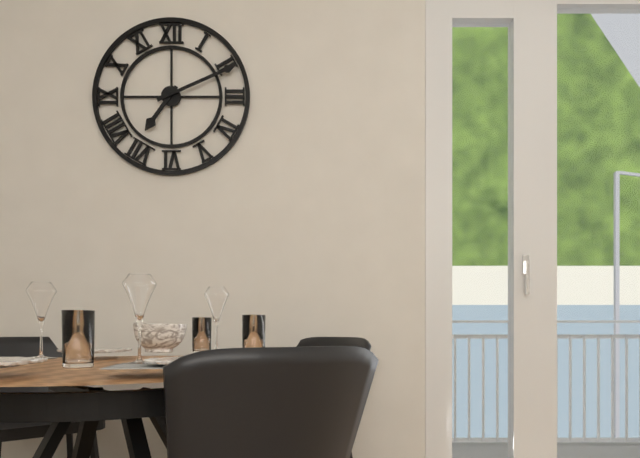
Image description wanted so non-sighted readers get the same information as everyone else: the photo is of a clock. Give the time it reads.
7:11
